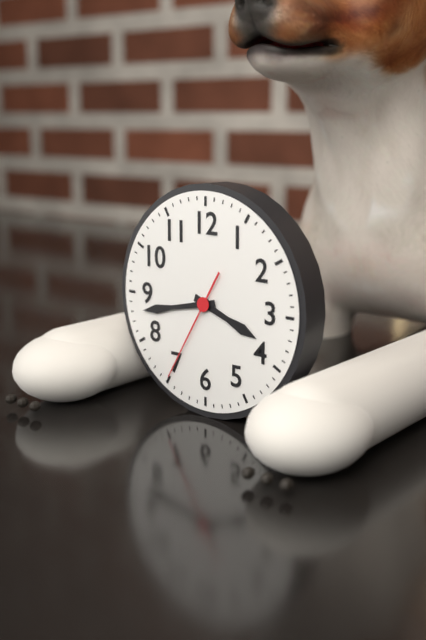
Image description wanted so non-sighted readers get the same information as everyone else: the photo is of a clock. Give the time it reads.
3:43:35
